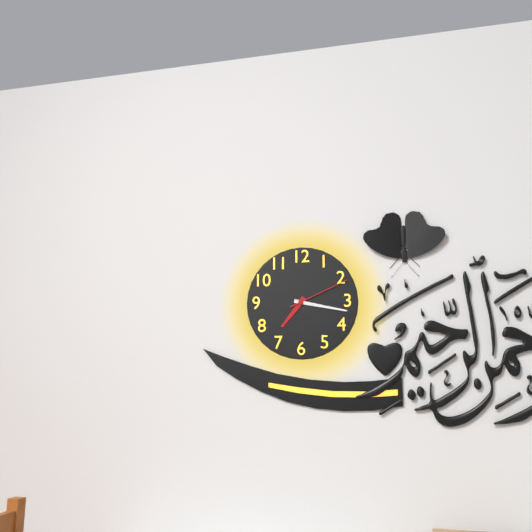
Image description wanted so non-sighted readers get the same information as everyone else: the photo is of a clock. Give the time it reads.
7:17:11
